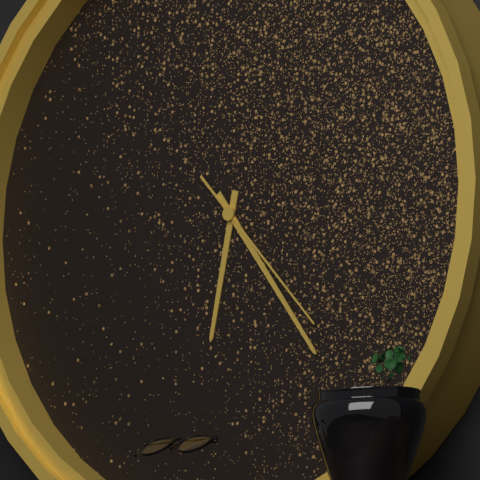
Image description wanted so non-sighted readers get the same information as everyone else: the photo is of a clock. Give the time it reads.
6:24:23
